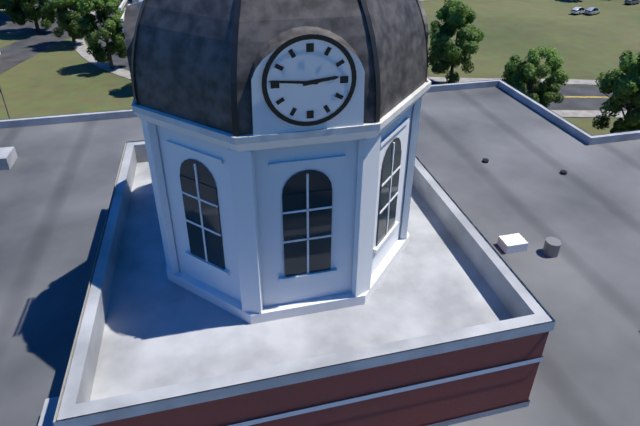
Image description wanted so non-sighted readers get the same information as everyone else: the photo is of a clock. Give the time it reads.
2:46
